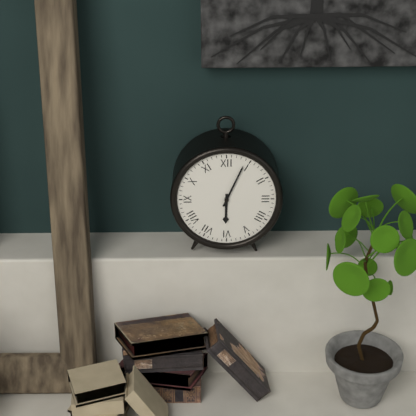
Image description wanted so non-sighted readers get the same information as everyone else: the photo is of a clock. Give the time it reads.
6:04
